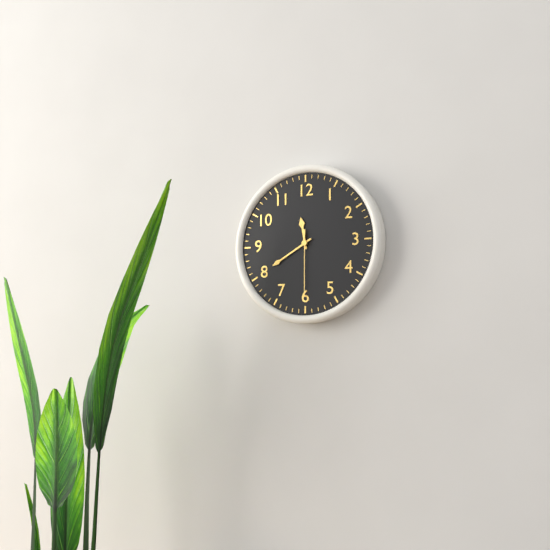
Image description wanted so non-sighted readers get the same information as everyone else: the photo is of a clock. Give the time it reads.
11:40:30
